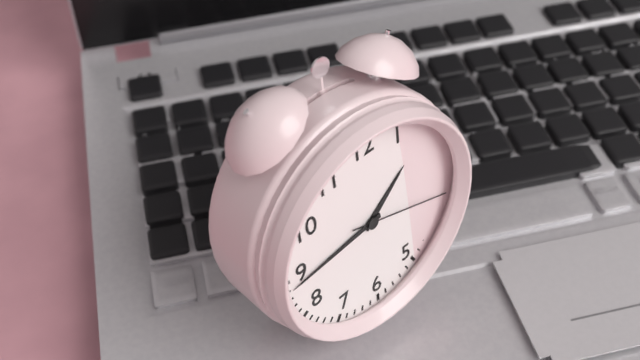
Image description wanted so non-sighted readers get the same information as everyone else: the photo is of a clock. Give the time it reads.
1:44:18
